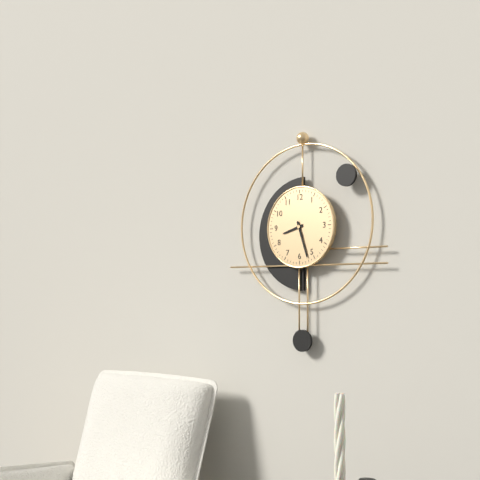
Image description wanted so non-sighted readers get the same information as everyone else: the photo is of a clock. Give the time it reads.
8:27
